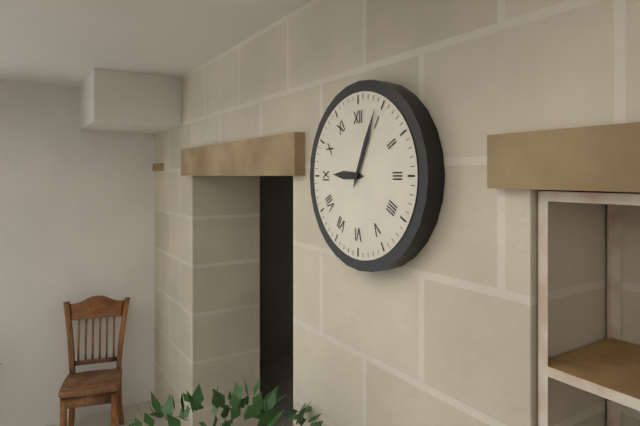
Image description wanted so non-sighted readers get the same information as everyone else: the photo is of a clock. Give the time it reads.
9:04
